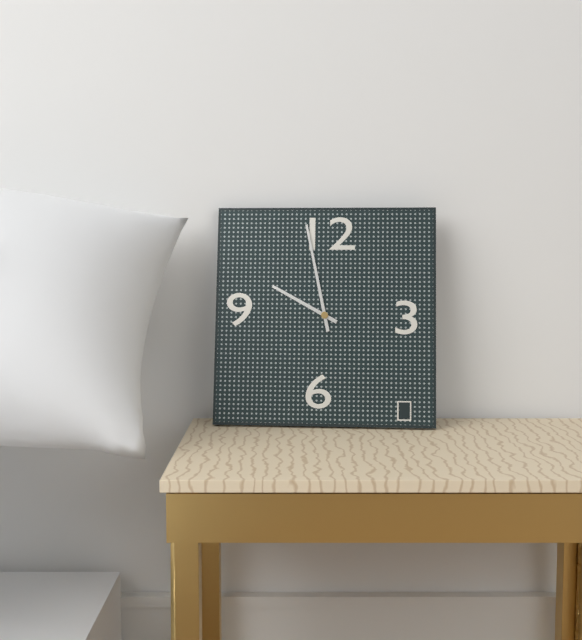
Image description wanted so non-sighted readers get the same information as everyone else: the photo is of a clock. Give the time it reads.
9:58
